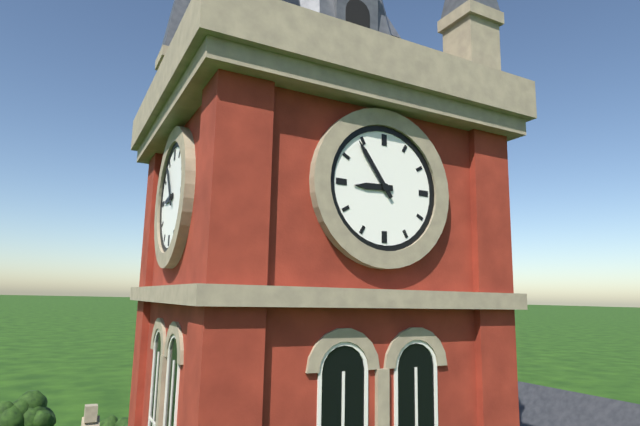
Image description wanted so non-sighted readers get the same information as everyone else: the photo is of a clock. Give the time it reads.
8:54
